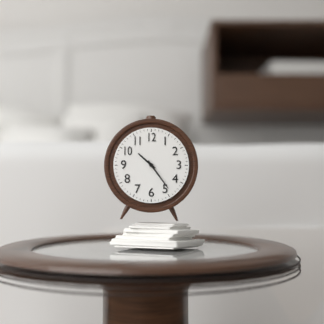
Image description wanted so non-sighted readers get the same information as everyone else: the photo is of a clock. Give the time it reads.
10:24
